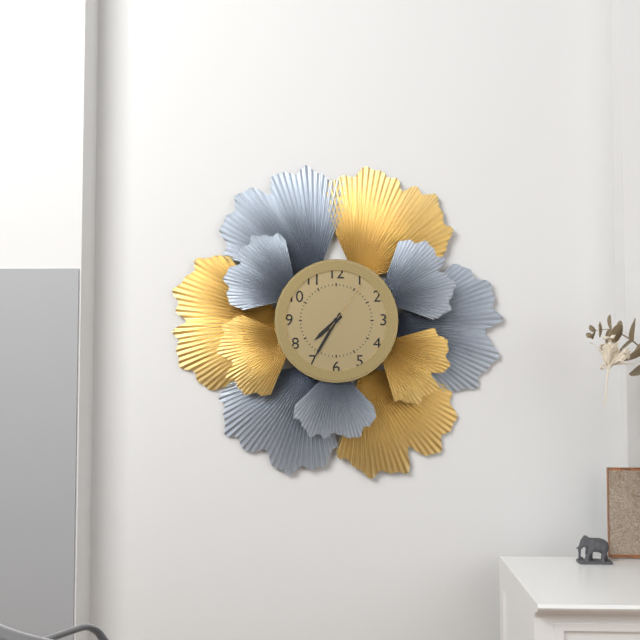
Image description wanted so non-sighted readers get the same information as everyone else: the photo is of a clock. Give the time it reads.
7:35:06
